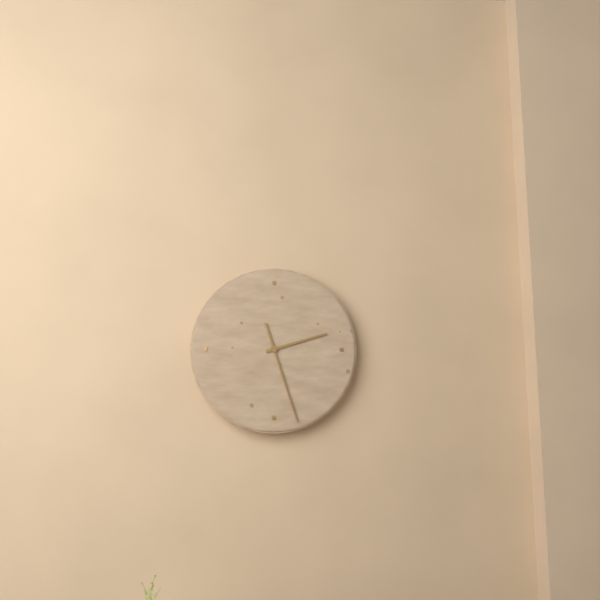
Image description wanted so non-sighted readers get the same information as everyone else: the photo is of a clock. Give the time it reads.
2:27
